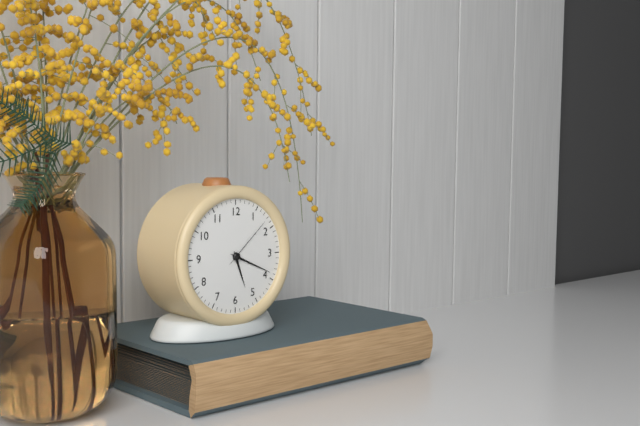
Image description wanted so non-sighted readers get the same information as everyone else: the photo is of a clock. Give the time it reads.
5:19:08
